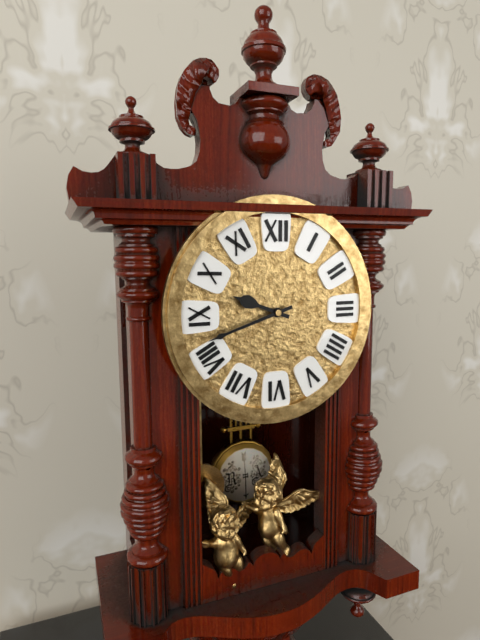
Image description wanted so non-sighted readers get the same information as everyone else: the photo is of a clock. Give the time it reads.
9:42
